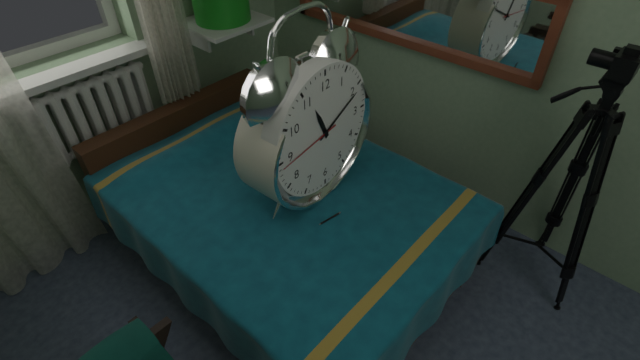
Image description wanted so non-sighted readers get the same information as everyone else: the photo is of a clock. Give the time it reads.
11:11:44
